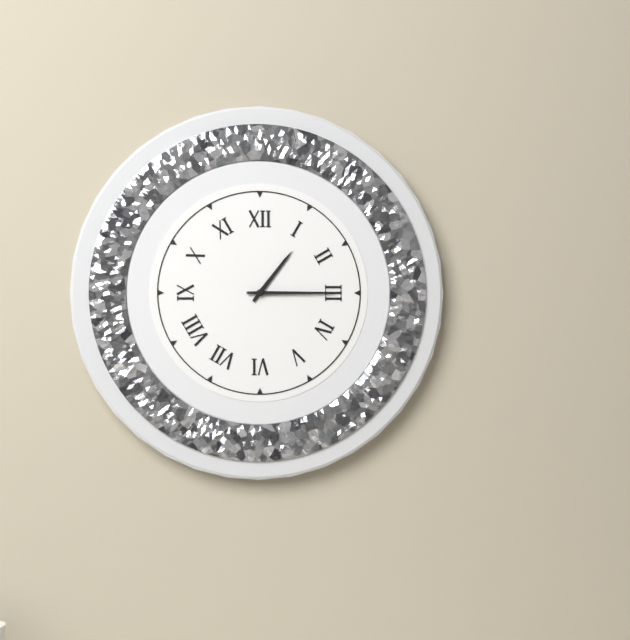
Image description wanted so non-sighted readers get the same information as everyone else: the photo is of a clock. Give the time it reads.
1:15
